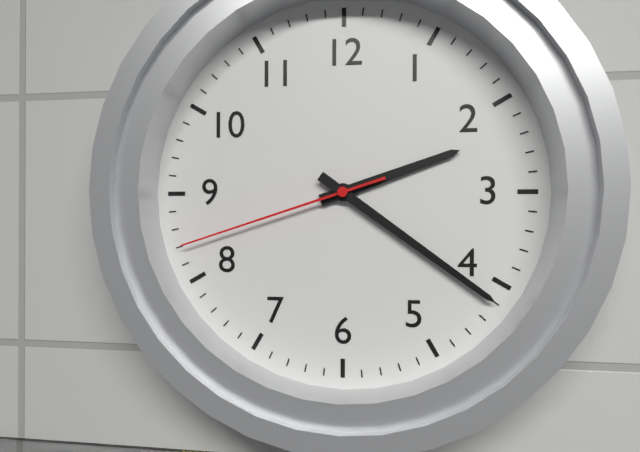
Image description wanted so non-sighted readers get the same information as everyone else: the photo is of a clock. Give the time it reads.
2:21:42
